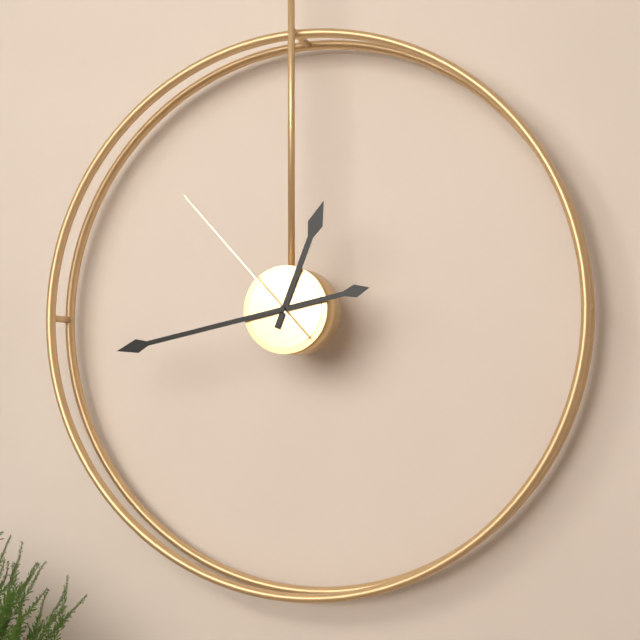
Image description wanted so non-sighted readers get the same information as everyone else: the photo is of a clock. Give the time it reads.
12:43:53
